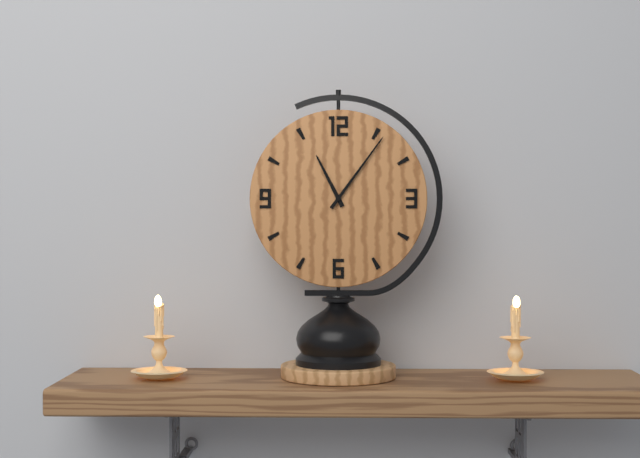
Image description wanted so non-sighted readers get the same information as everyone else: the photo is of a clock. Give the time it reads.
11:06
